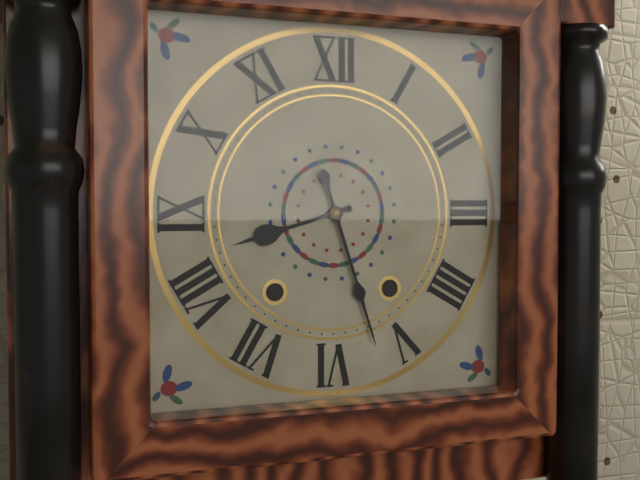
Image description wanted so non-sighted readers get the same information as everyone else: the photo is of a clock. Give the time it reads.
8:27
